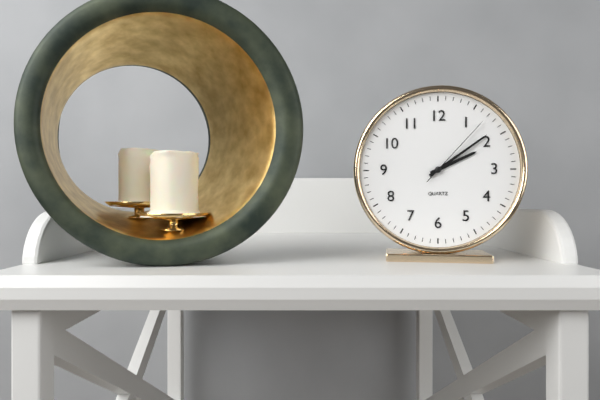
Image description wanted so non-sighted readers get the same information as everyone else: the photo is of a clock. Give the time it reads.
2:09:07
